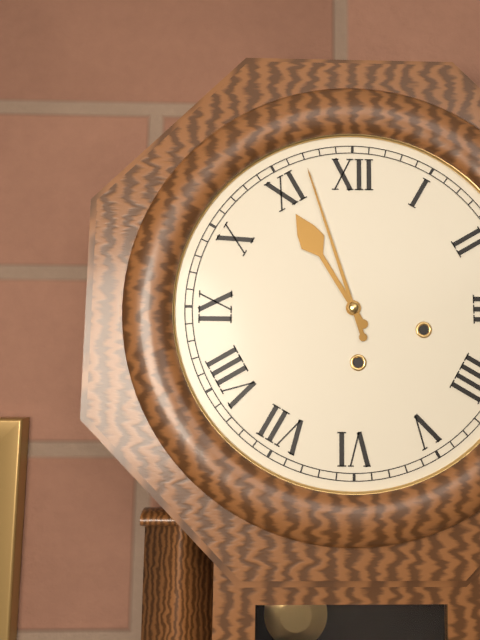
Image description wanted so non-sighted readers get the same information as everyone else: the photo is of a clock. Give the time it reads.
10:57
